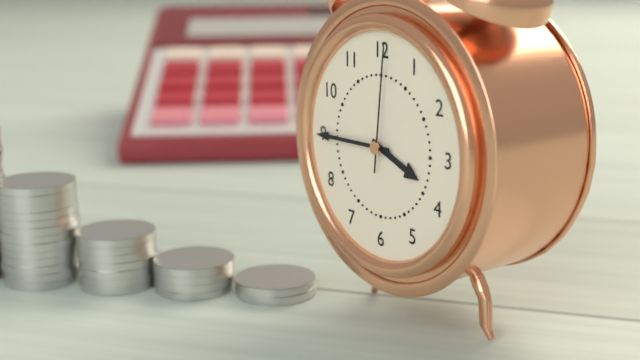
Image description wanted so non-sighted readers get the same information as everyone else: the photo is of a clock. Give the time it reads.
3:45:01
